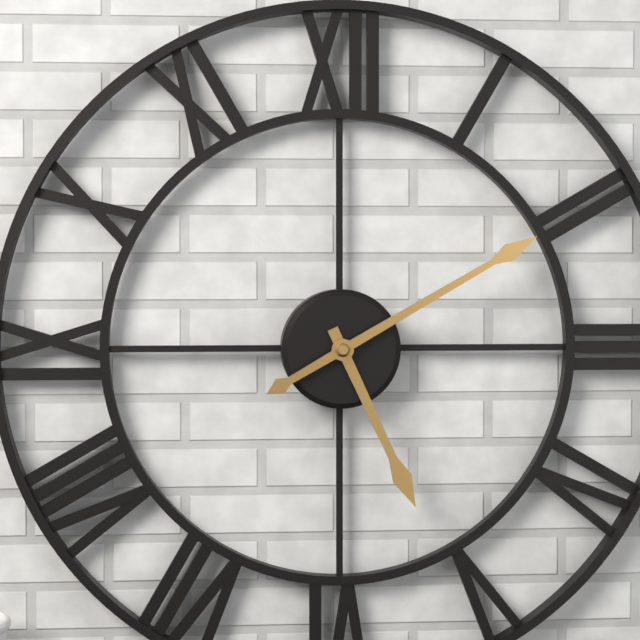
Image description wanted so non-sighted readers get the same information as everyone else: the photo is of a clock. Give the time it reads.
5:10
